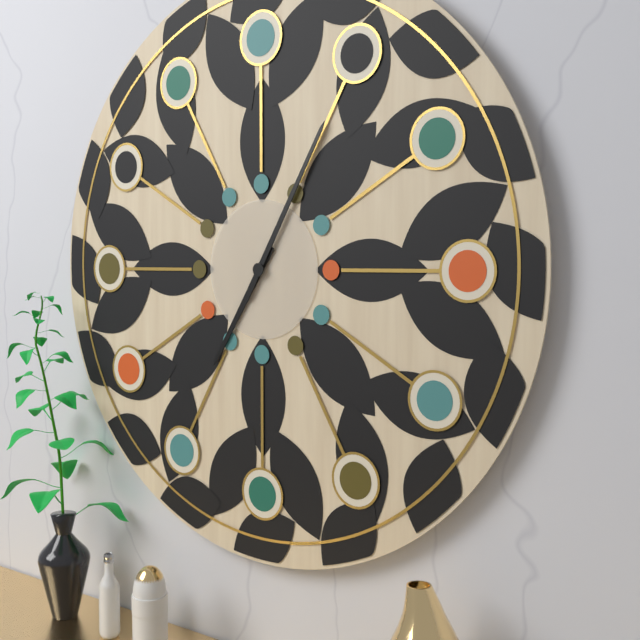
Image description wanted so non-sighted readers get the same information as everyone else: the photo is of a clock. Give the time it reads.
7:05
